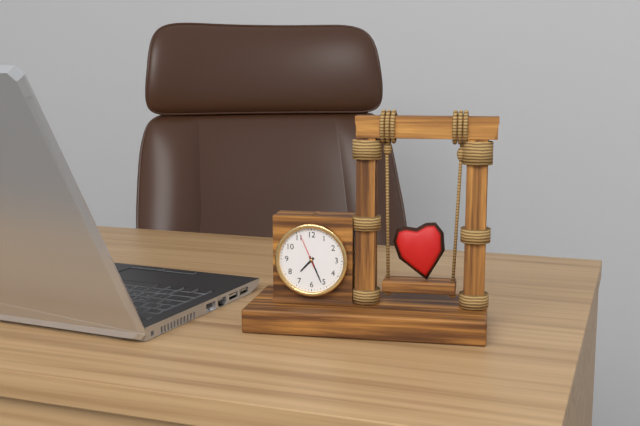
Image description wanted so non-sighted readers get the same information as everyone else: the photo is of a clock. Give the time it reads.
7:26
